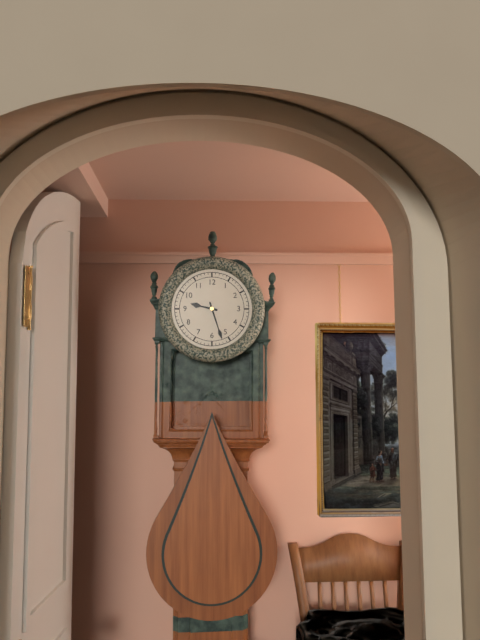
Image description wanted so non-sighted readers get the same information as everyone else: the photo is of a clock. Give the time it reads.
9:27
